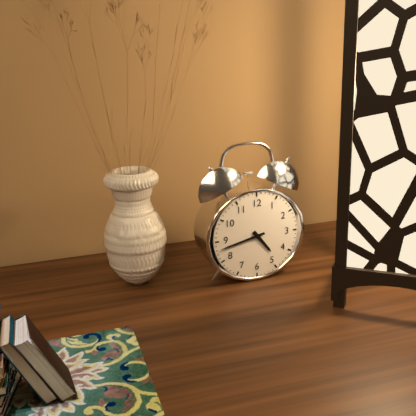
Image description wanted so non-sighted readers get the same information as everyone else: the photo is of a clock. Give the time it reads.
4:43
